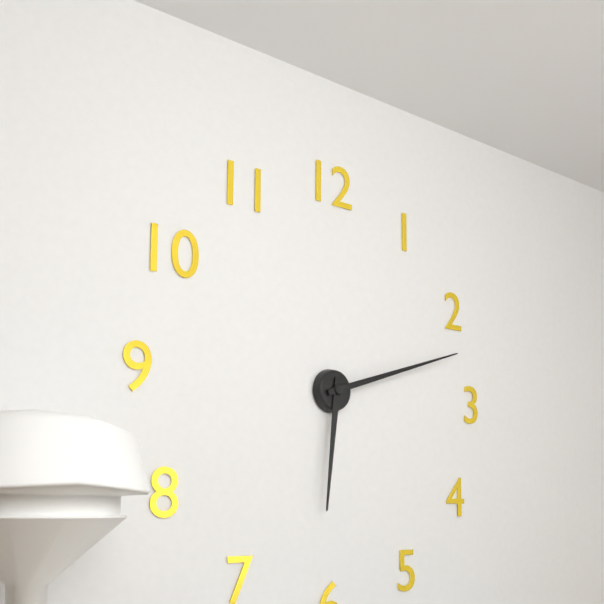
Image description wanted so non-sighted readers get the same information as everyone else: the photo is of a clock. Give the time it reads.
6:12
